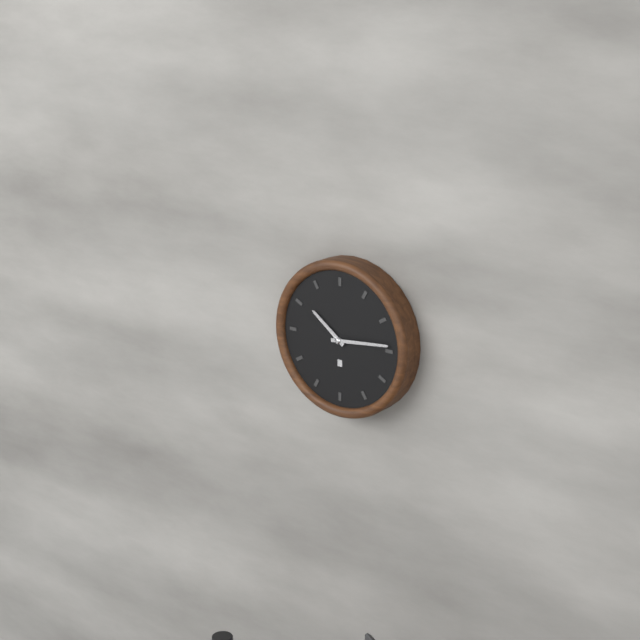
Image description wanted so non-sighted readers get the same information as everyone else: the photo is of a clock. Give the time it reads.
10:14
